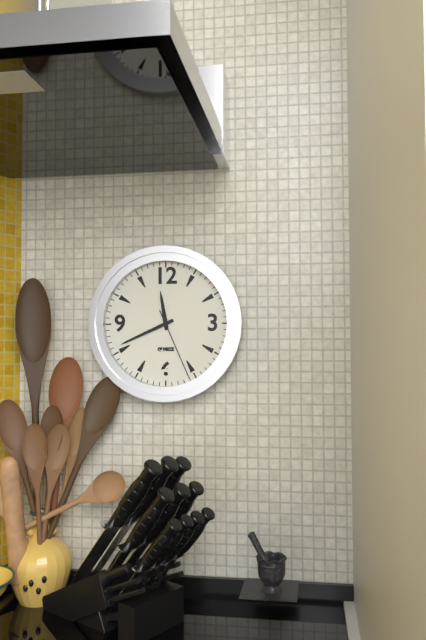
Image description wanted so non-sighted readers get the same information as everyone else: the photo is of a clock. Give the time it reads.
11:41:26
